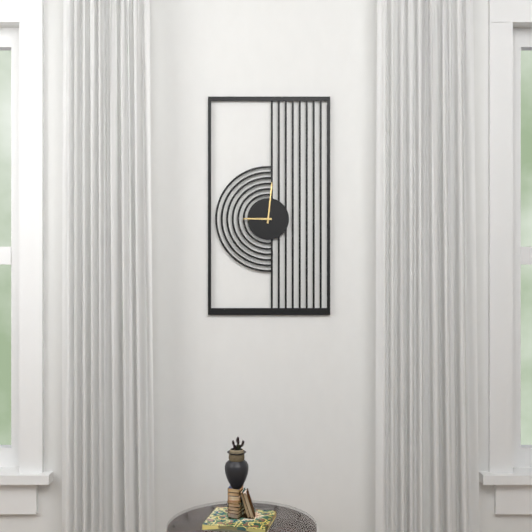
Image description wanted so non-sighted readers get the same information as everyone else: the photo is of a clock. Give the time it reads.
9:01
